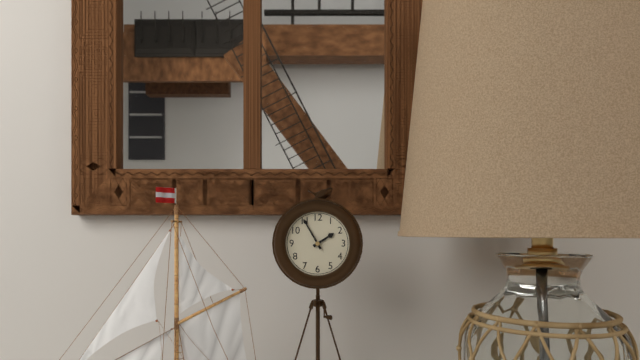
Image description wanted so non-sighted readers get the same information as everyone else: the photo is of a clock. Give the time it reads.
1:55
